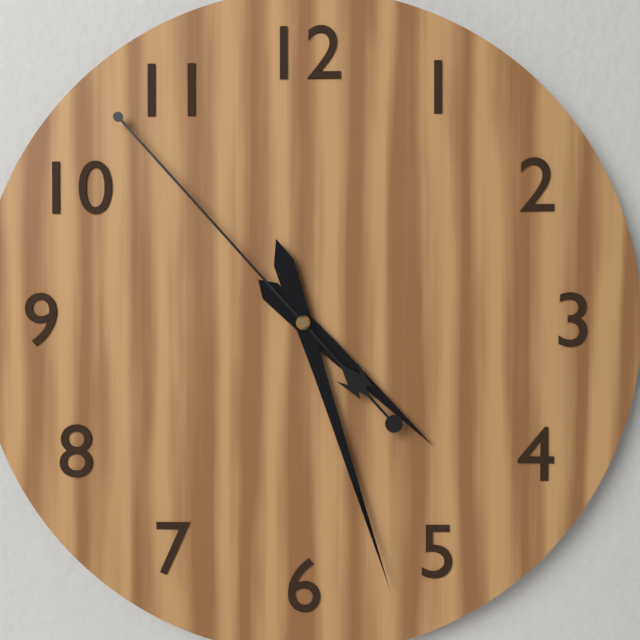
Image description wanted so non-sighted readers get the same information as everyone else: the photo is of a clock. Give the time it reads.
4:27:53
